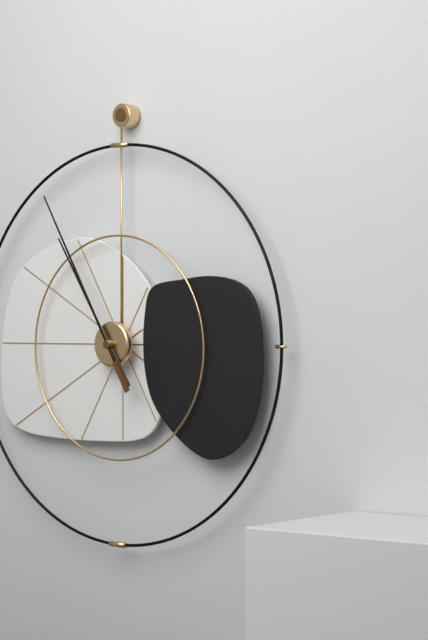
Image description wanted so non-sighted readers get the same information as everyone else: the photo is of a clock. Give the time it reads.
10:55
